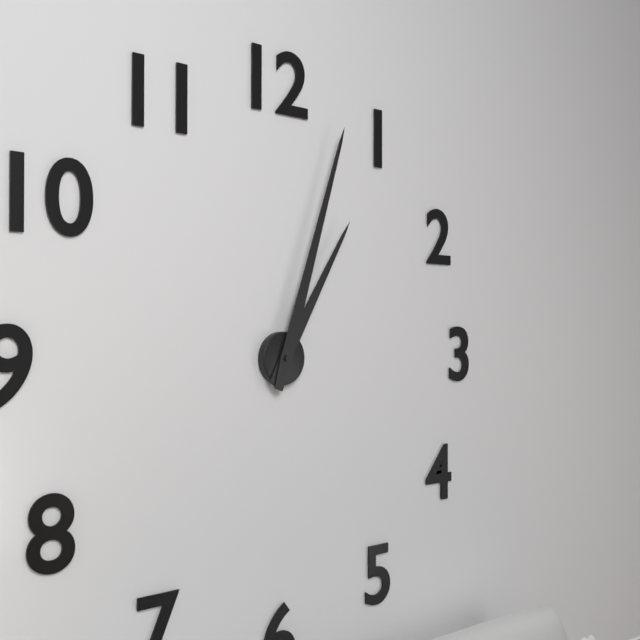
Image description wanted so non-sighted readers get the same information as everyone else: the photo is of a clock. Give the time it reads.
1:03
